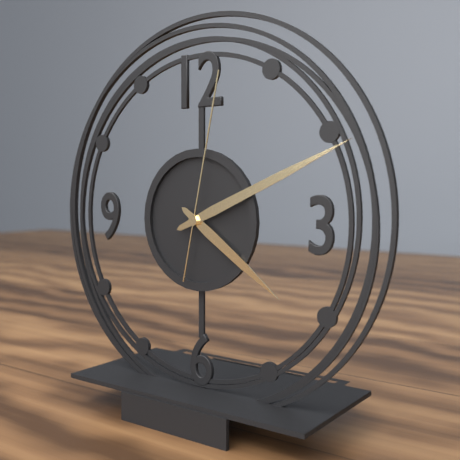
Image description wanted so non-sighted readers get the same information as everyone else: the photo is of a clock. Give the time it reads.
4:11:02
